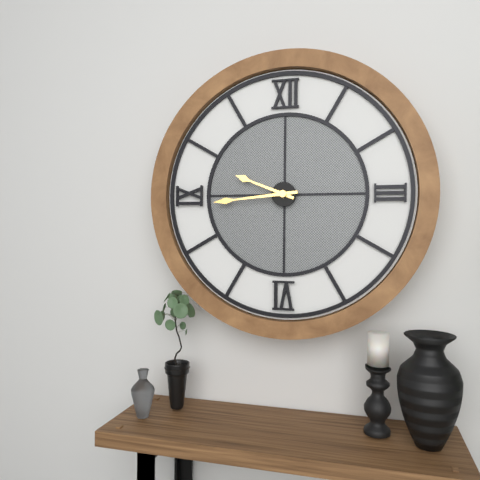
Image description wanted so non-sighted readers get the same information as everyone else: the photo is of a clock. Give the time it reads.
9:44
